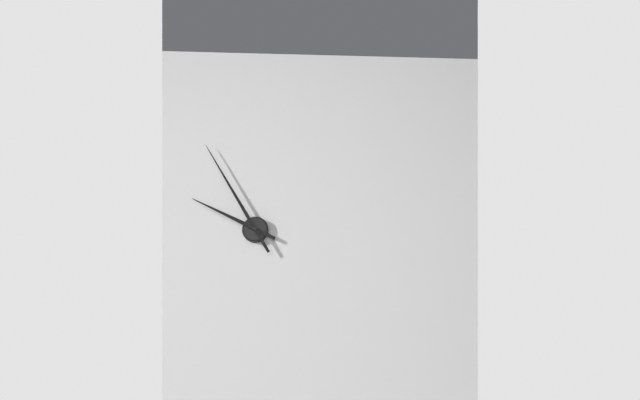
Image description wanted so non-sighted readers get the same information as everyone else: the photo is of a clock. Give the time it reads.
9:55
